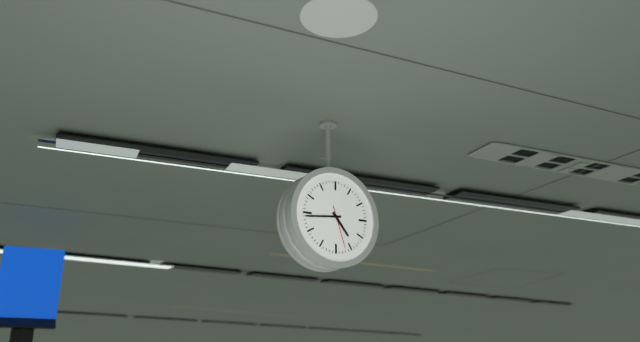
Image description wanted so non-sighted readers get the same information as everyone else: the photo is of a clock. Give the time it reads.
4:44
